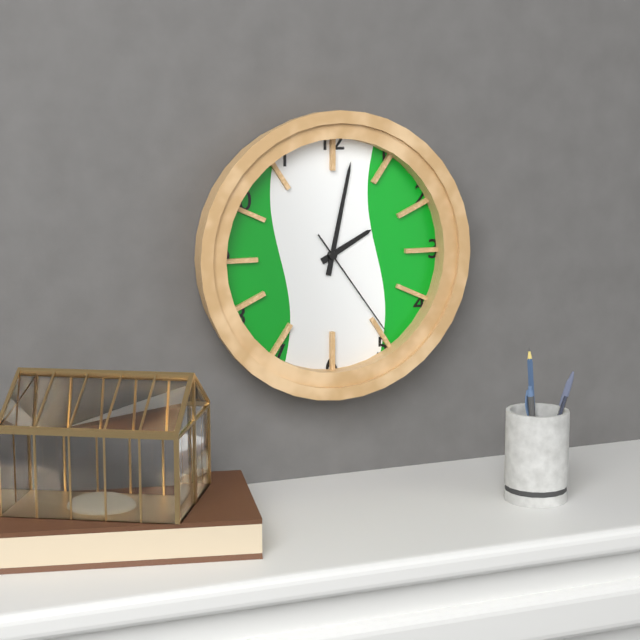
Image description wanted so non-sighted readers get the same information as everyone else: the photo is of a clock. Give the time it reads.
2:02:24
